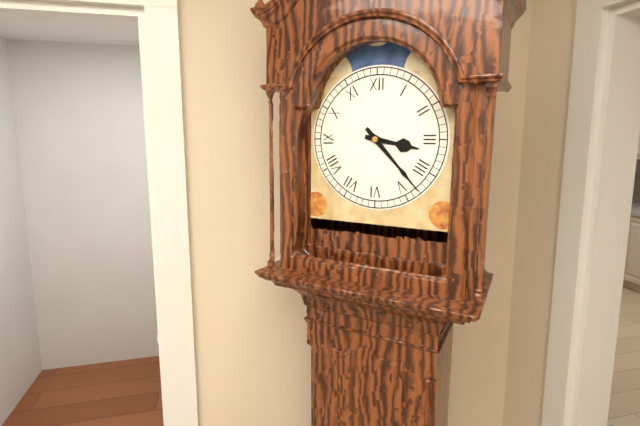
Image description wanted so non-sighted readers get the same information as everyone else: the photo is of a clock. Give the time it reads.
3:23
